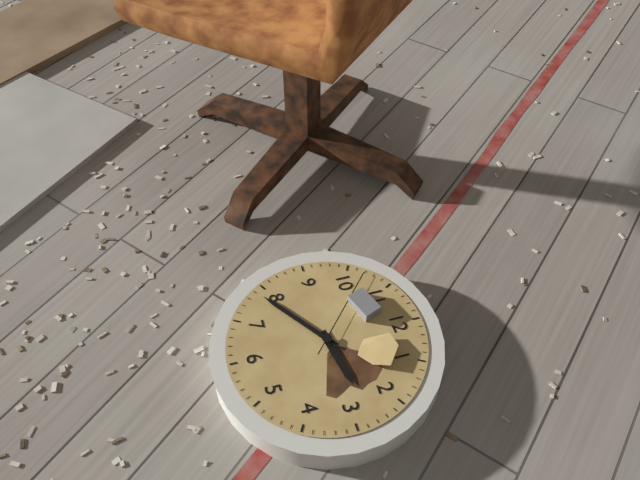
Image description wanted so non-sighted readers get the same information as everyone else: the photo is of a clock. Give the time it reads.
2:39:52
